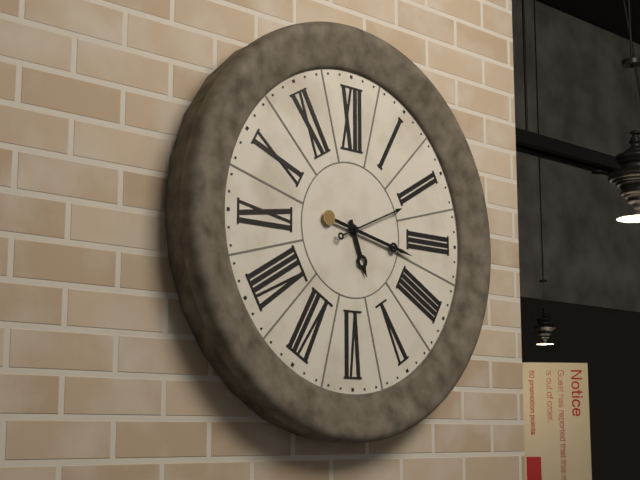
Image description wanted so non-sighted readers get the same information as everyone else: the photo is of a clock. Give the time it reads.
5:17:11
